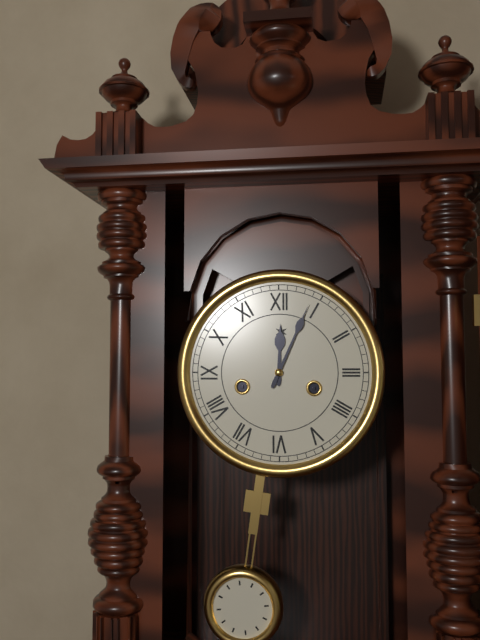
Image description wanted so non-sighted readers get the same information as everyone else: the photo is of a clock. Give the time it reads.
12:04
